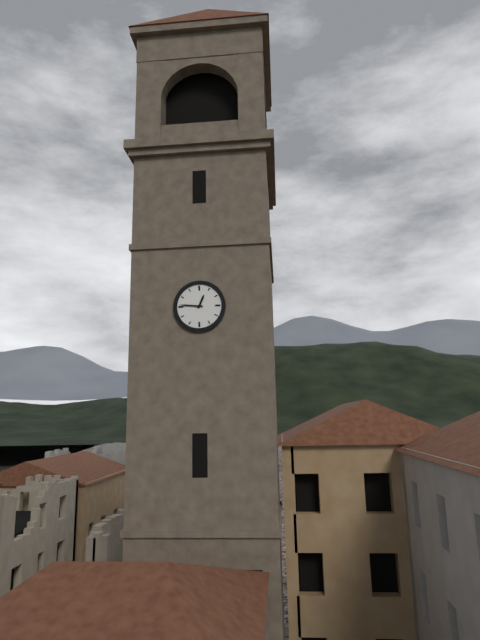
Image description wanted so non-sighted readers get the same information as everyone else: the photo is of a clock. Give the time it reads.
12:46
